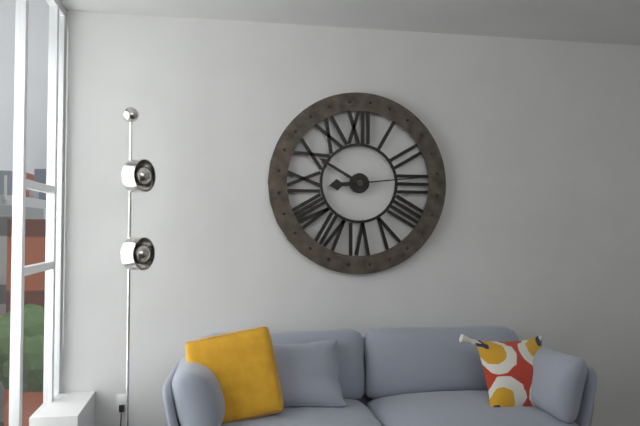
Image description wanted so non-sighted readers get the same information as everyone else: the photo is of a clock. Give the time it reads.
8:50:14
